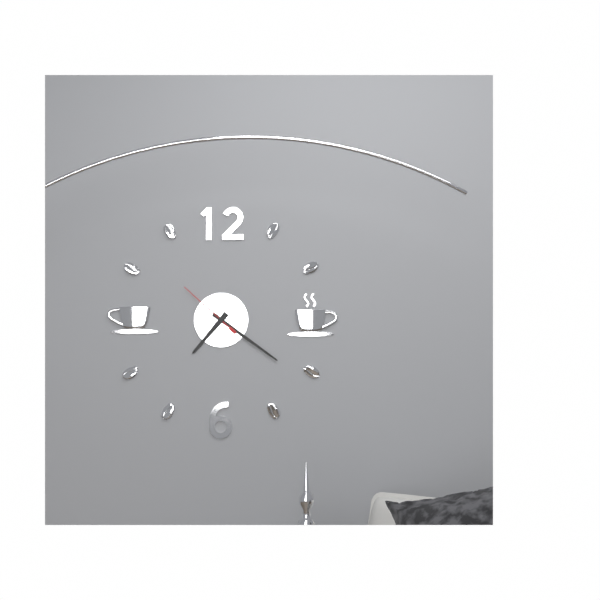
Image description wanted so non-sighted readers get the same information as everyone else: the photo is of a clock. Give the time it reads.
7:21:52
